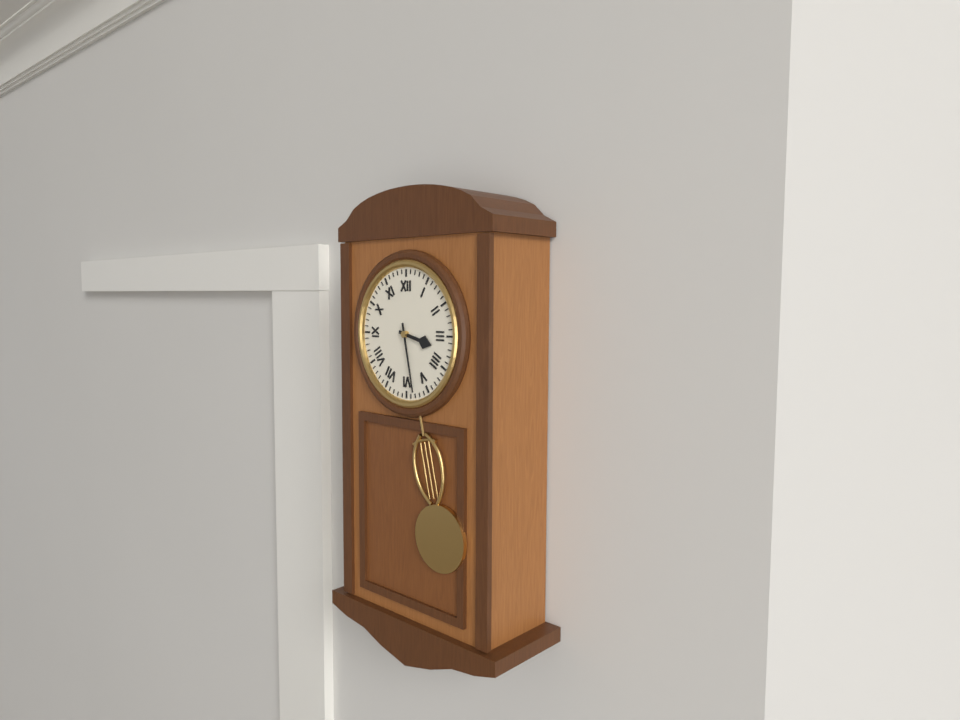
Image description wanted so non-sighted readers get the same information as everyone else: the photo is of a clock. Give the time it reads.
3:28
